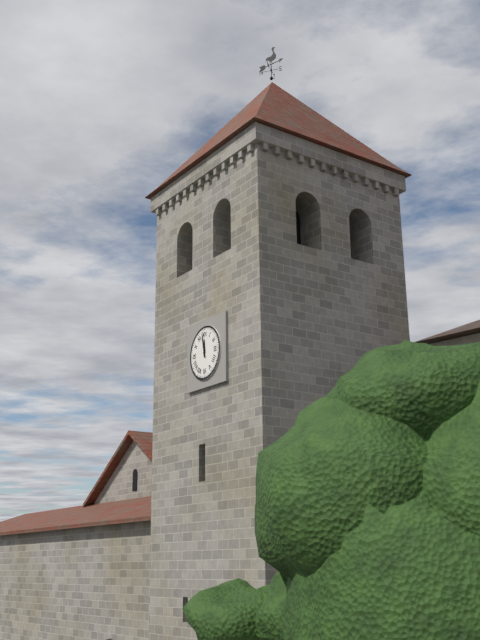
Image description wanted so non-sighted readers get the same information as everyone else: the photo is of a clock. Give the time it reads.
11:58
